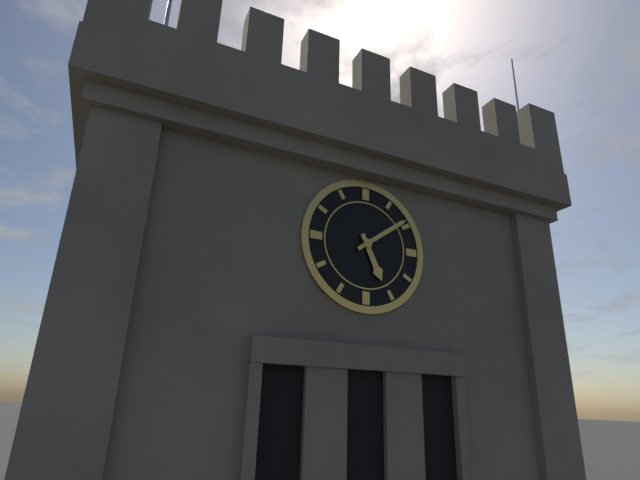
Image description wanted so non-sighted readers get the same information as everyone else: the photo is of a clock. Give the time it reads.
5:09
